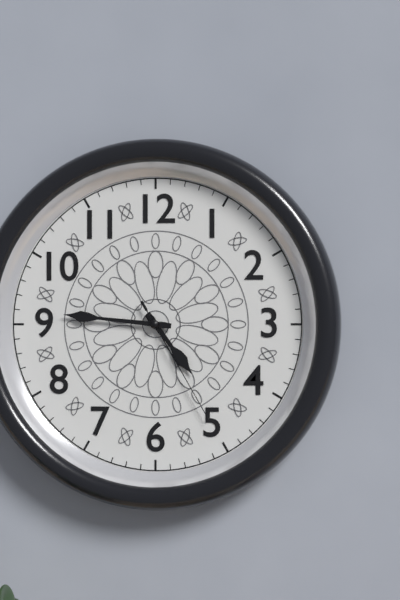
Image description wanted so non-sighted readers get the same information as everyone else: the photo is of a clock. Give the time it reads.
4:46:25
